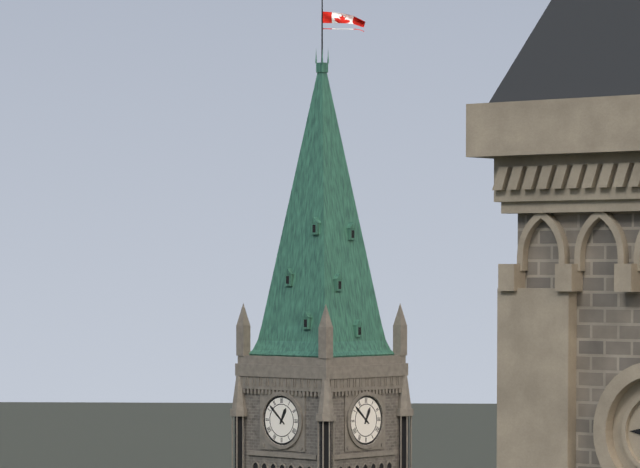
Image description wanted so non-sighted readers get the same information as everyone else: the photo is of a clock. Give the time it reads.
12:52
